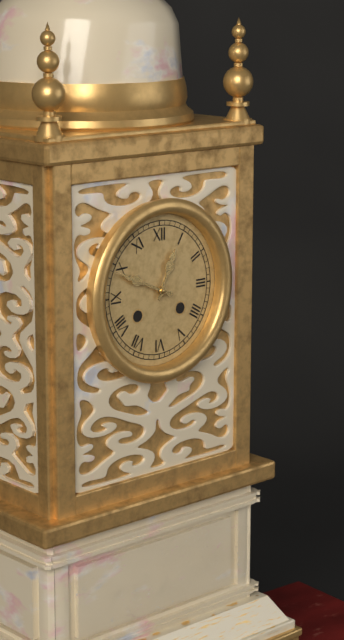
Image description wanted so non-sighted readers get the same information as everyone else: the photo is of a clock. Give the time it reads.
12:49
